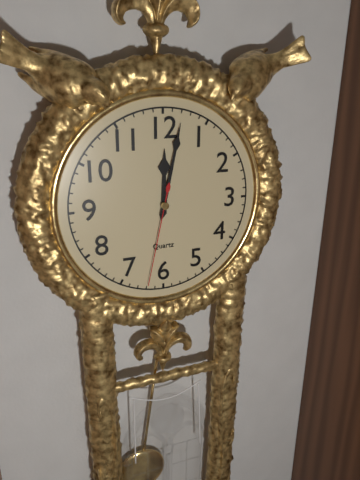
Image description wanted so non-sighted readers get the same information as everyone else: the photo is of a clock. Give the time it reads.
12:02:32
